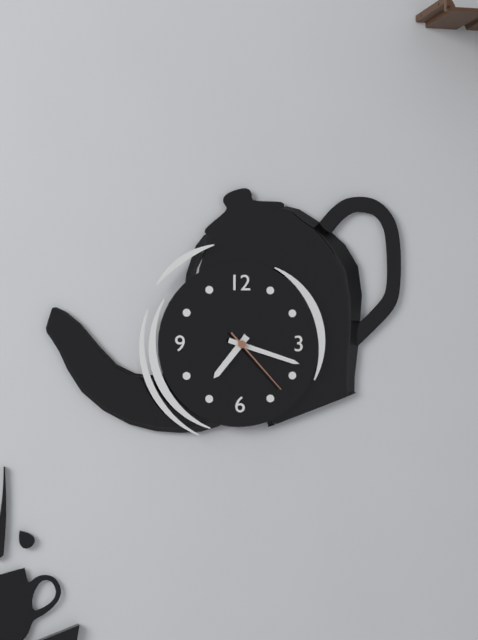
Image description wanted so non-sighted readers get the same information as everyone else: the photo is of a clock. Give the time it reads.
7:18:23
